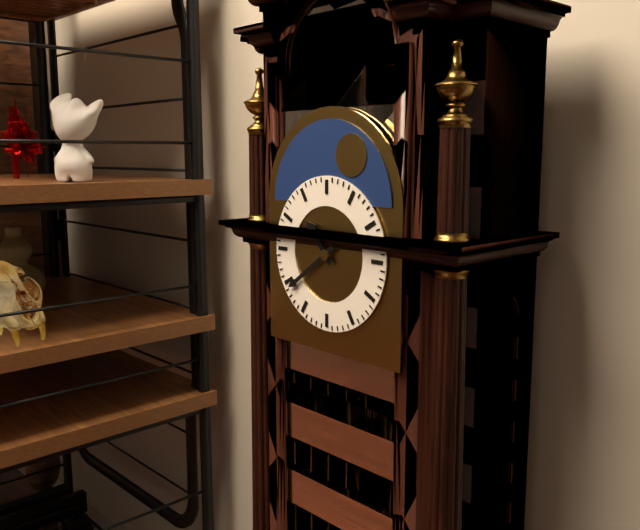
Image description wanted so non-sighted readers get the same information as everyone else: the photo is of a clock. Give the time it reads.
10:39
